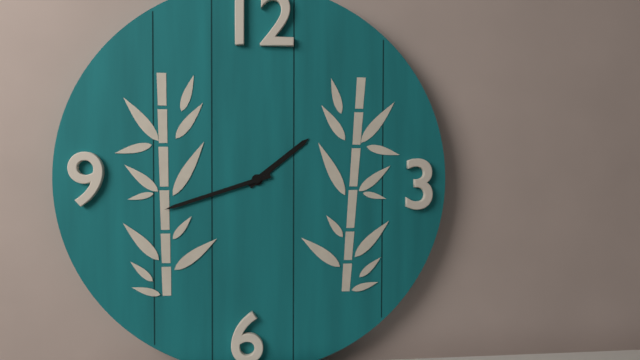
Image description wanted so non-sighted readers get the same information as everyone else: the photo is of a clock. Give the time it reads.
1:42
